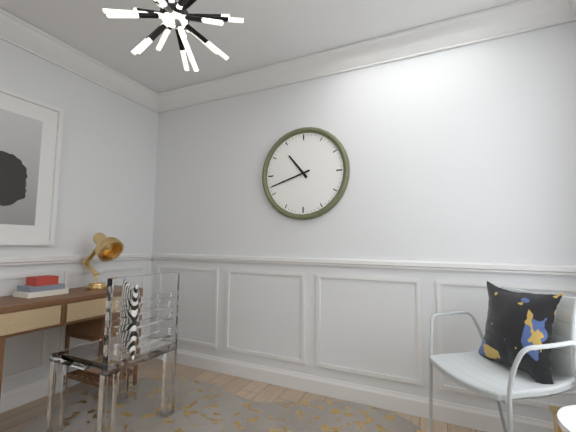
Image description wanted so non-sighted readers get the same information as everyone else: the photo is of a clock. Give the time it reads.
10:42
